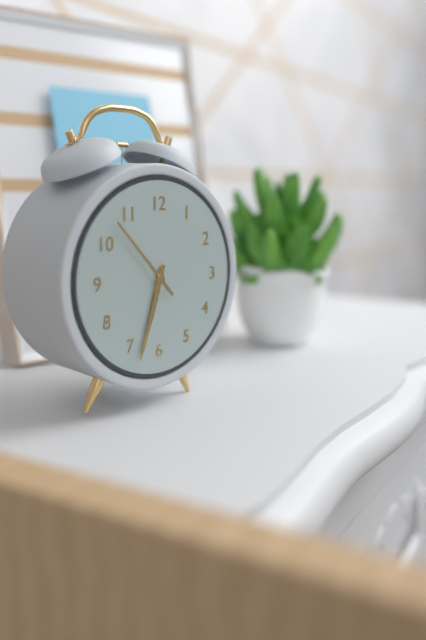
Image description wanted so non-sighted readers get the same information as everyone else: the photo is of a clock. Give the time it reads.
6:33:53
